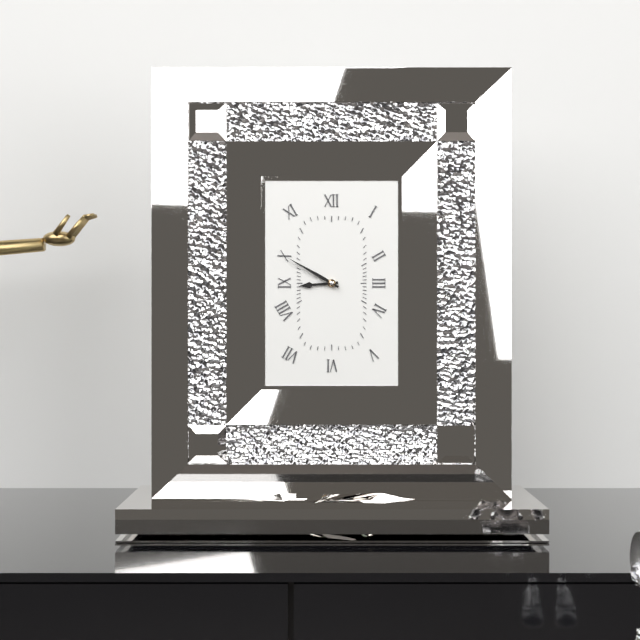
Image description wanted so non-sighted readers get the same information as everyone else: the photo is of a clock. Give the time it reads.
8:50
